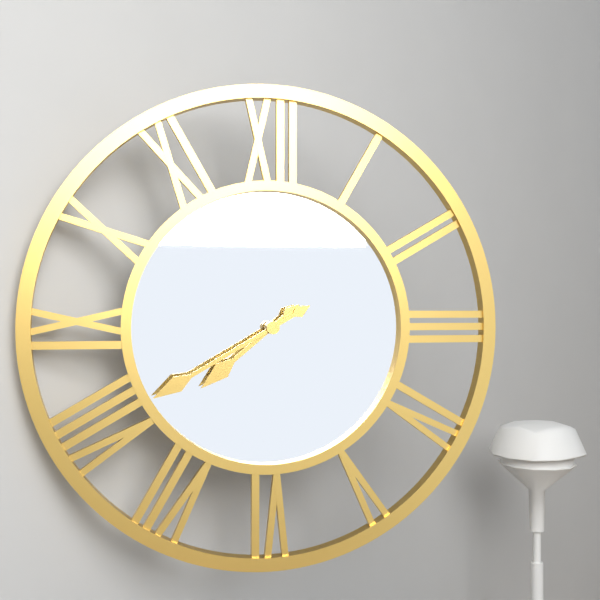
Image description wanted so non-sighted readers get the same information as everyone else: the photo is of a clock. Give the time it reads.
7:40
